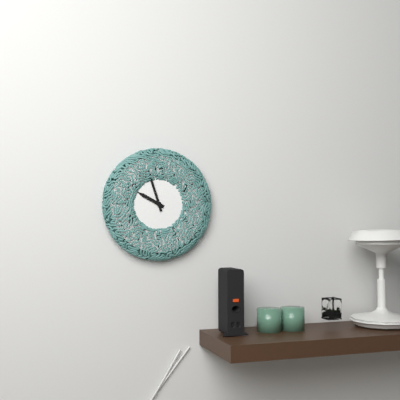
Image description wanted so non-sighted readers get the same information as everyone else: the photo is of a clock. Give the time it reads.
9:57
